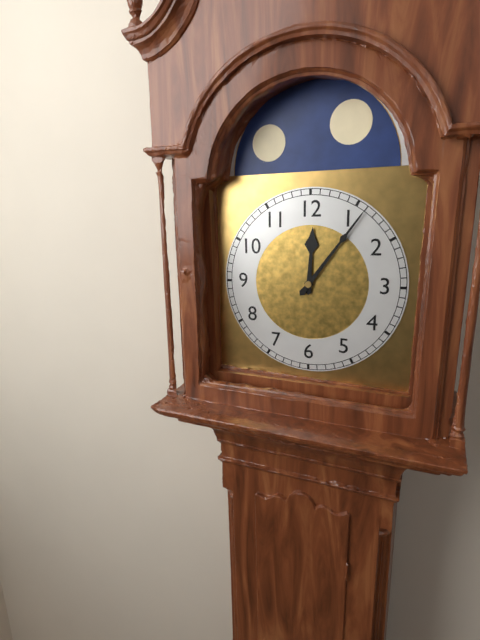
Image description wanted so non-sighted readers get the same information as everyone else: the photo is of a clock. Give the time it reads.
12:06
